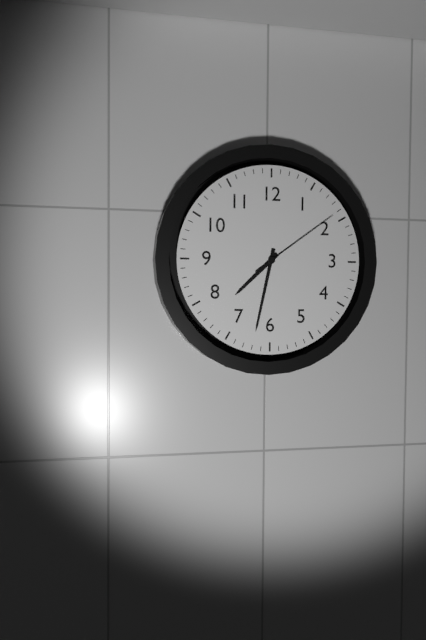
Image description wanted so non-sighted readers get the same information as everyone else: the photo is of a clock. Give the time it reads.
7:32:09
